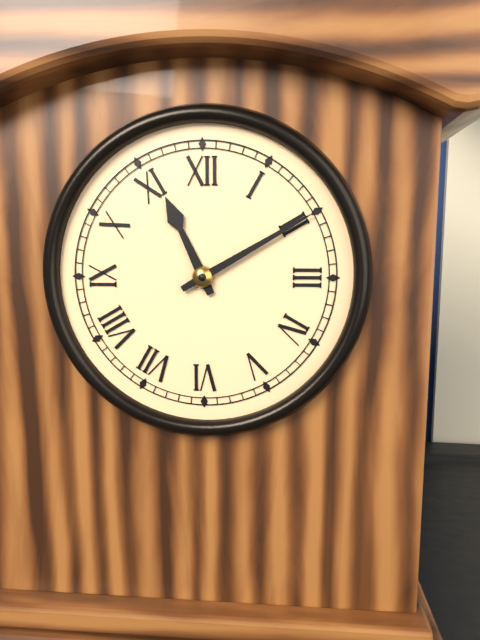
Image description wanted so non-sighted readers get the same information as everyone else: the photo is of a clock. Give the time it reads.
11:10
